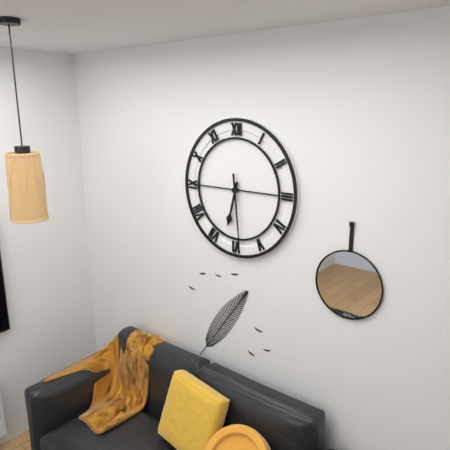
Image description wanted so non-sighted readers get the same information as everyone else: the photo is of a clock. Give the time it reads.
6:29
